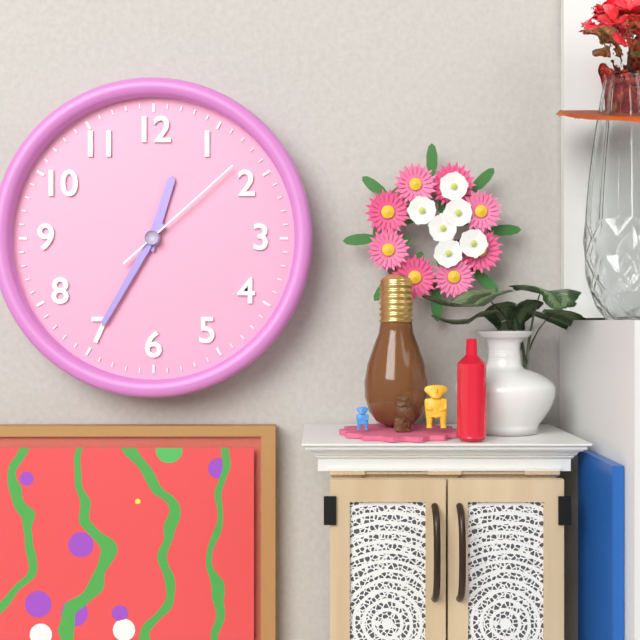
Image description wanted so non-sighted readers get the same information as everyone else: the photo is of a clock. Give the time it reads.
12:35:08
